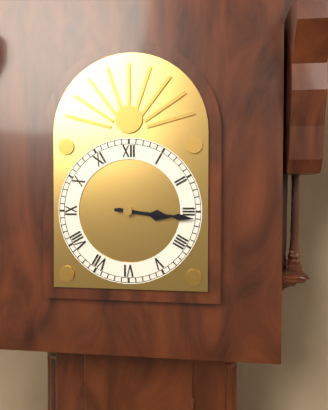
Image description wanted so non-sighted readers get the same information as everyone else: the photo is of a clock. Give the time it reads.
3:16
